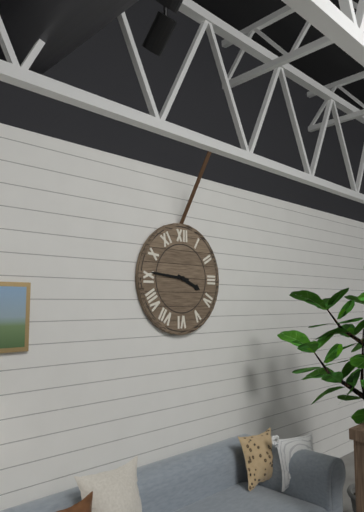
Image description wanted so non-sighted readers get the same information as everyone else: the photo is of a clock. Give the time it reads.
3:46
